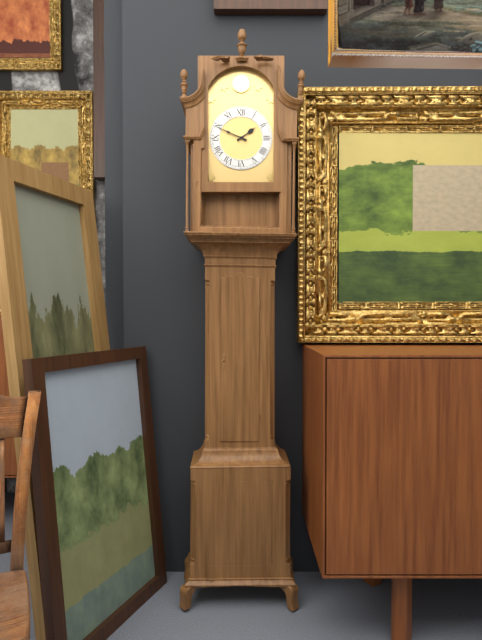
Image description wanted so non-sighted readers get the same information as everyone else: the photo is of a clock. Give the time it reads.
1:49
